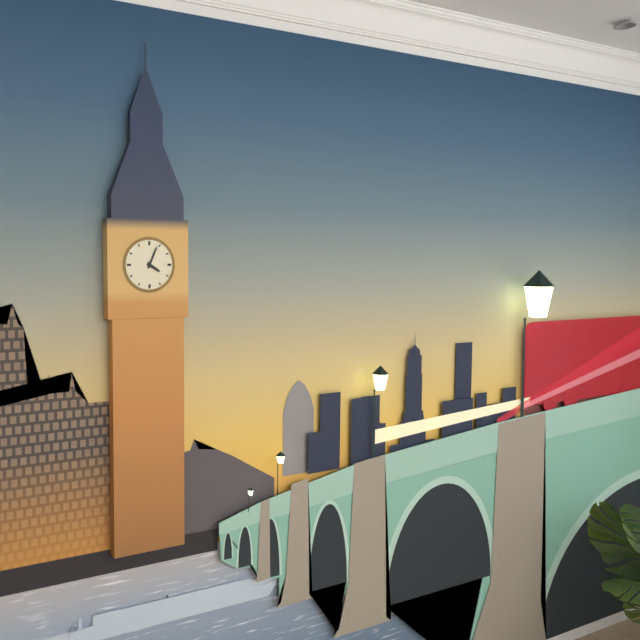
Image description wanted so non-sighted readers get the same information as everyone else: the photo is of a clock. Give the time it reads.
4:04
